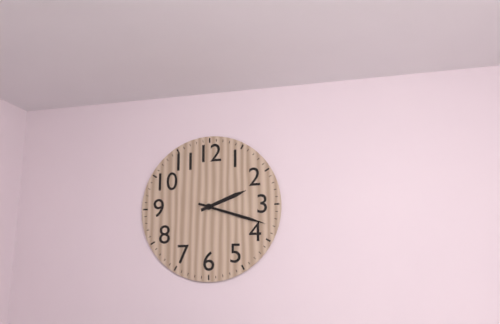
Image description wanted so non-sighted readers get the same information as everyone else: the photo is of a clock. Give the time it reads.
2:18
